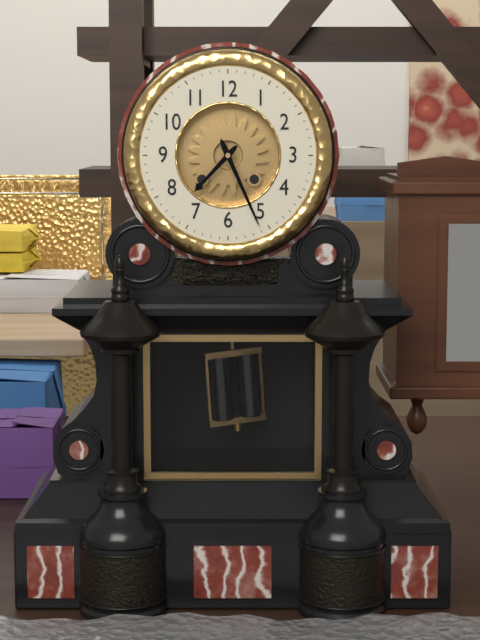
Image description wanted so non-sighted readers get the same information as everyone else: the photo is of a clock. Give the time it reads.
7:26
